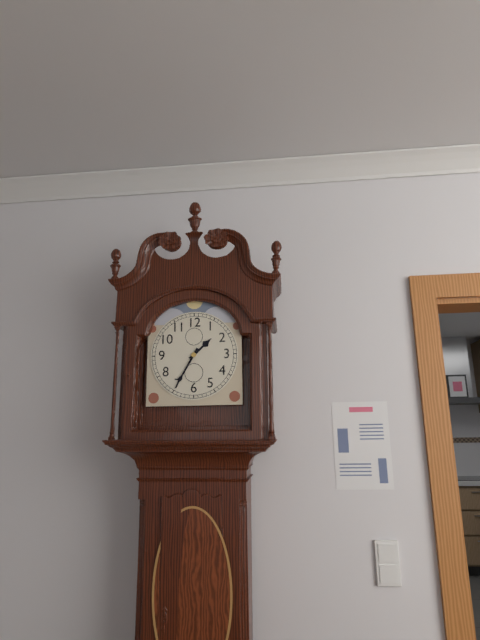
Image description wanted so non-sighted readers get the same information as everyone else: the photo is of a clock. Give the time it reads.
1:35
